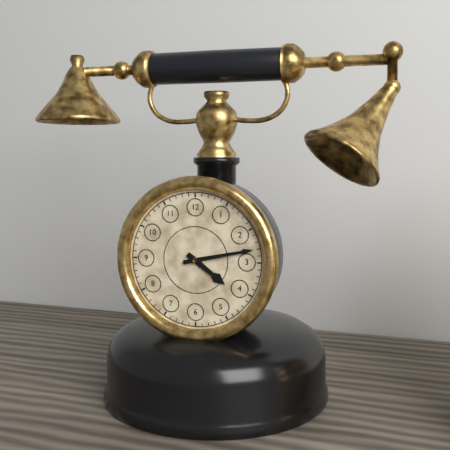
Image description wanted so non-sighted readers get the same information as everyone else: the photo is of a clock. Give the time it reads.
4:13
